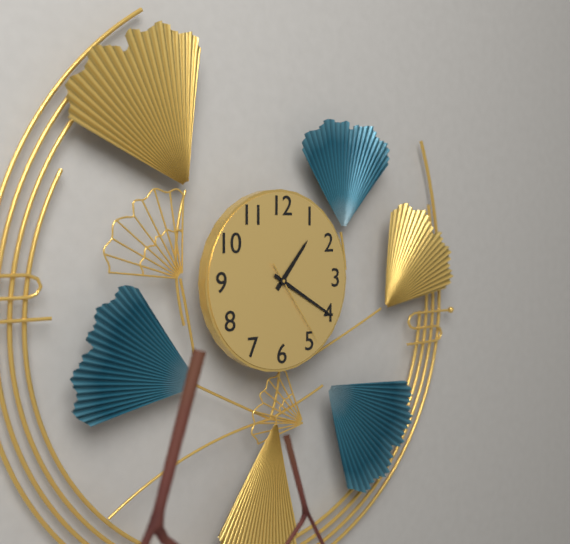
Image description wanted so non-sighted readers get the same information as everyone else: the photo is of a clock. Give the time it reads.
1:20:24
